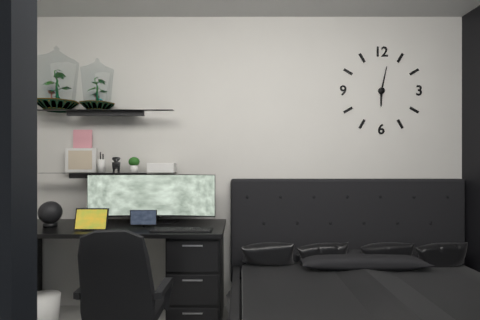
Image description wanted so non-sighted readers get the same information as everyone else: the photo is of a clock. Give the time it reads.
6:02
